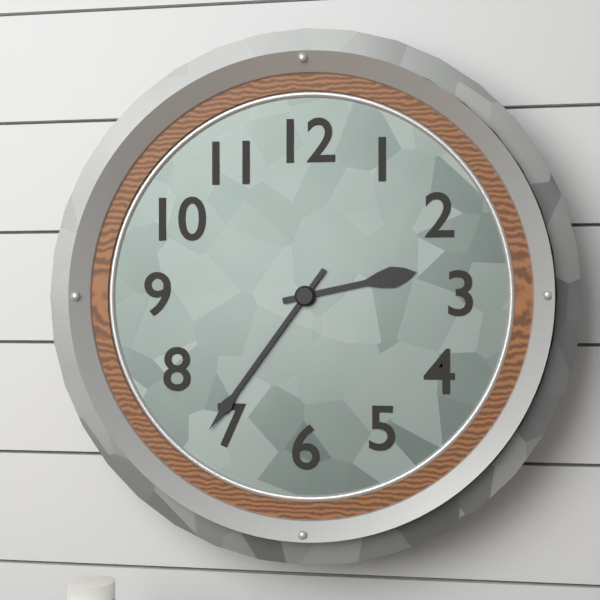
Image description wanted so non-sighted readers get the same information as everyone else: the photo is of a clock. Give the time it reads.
2:36
